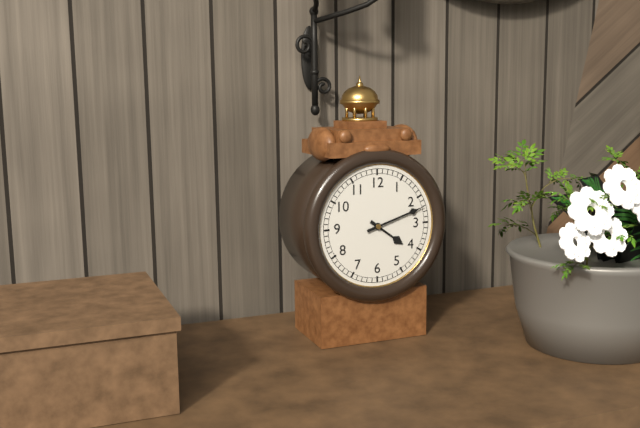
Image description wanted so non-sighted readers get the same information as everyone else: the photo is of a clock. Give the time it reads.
4:12
